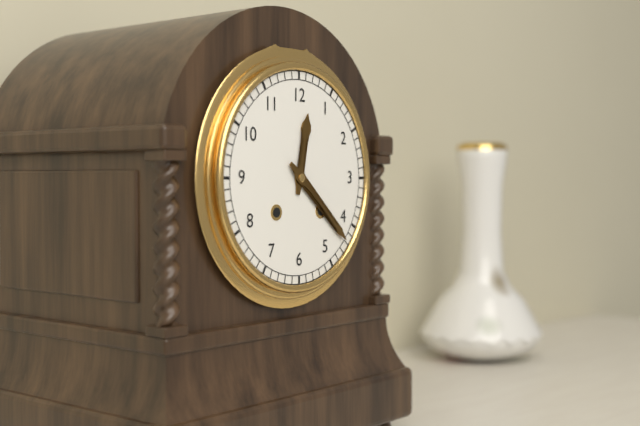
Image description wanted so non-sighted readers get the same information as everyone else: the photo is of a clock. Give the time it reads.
12:22
